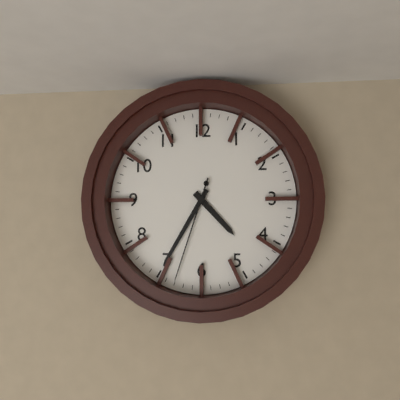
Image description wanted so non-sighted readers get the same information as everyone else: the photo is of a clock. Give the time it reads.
4:35:33
